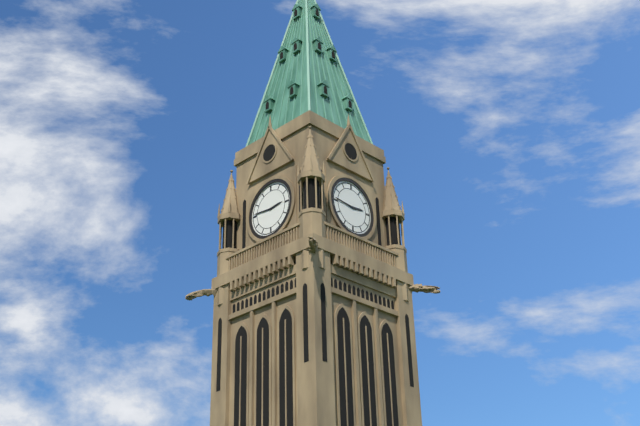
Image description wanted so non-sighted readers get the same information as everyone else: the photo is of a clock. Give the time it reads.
2:46
